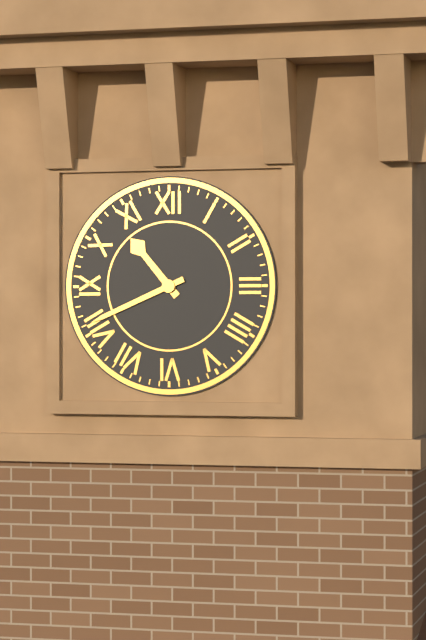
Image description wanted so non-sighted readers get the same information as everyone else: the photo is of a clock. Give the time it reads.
10:41
